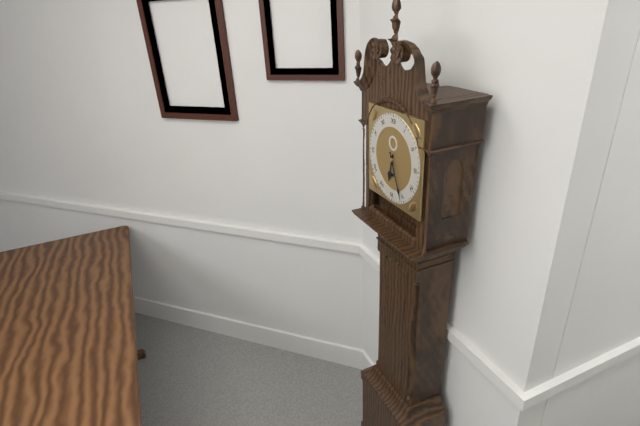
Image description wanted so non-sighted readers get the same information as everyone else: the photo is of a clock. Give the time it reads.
6:26
